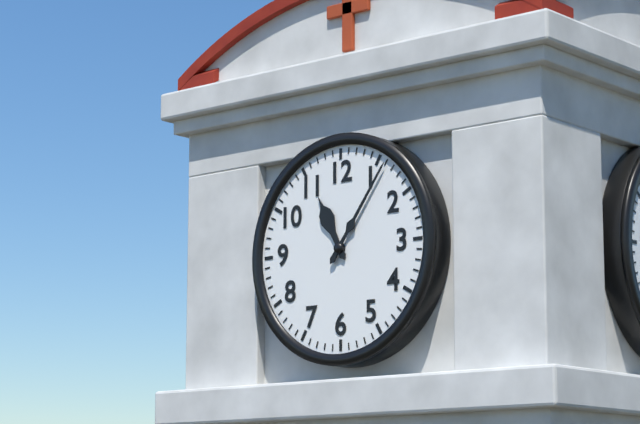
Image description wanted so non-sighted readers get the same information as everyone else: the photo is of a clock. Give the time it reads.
11:06
